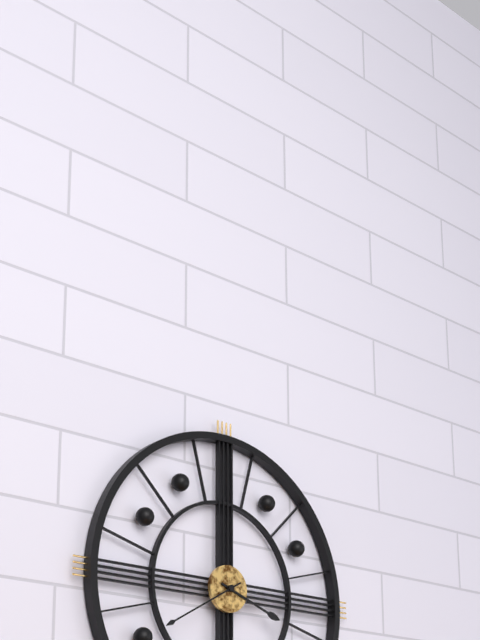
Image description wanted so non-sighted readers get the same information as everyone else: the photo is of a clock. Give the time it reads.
3:40
